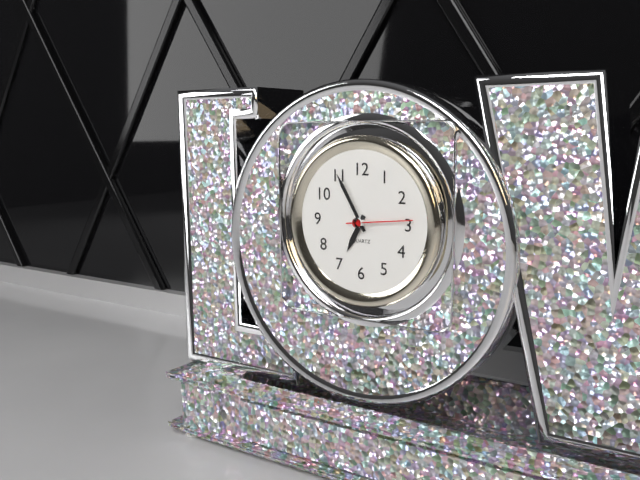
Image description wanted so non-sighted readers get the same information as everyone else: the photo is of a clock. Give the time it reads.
6:55:14
